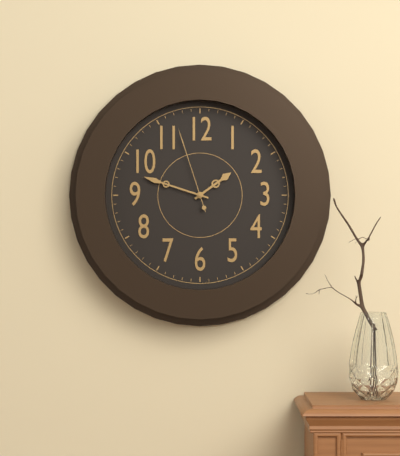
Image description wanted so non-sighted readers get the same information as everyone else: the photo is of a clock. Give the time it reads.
1:48:57
